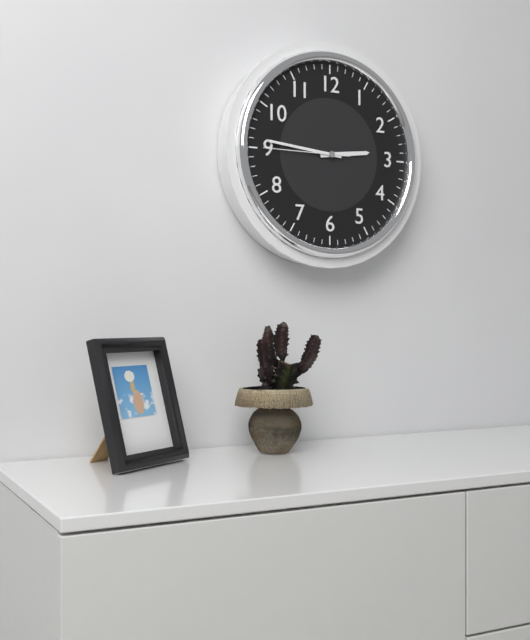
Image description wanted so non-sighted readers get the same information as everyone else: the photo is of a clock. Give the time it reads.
2:46:45
